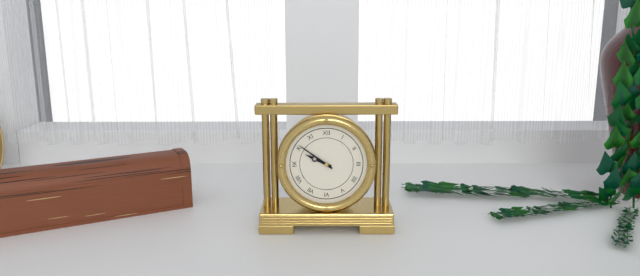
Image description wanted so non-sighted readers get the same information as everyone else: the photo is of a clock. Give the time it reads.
9:51
